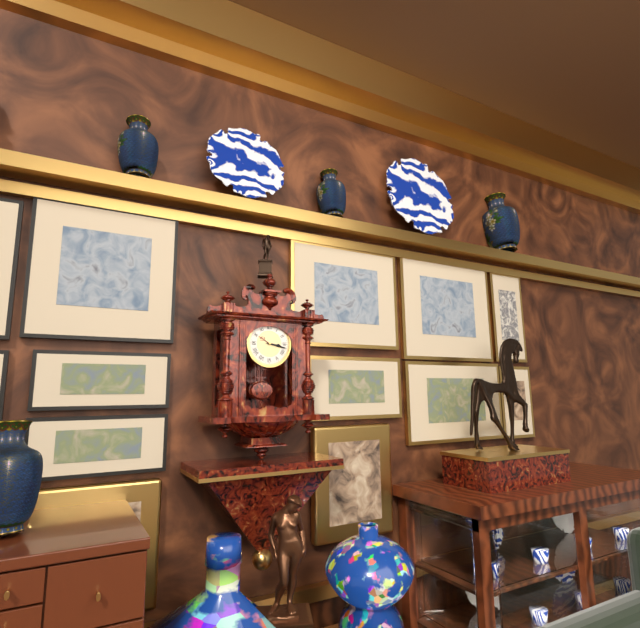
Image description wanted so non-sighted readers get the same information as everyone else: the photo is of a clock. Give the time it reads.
3:17
